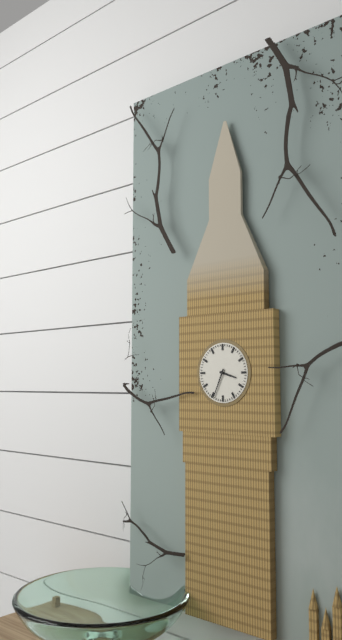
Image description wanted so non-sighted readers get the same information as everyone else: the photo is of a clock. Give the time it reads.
3:34
